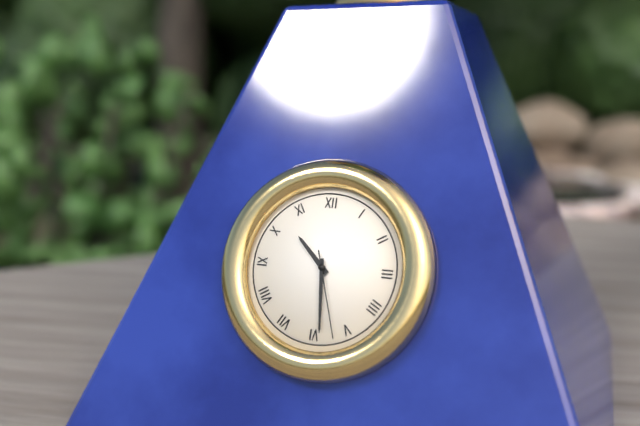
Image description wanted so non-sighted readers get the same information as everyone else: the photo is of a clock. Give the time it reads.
10:29:27
